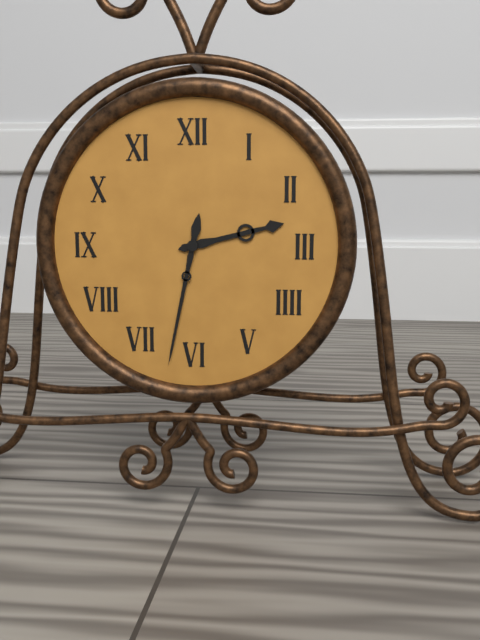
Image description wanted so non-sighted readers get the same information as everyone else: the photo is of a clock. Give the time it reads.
2:32
